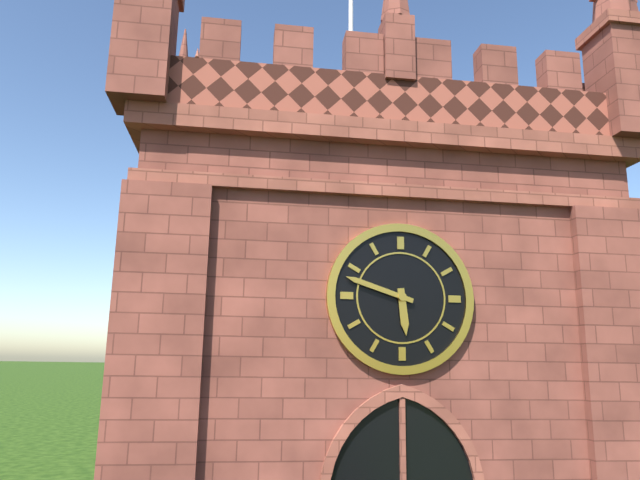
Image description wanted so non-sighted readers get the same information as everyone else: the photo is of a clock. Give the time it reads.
5:48
